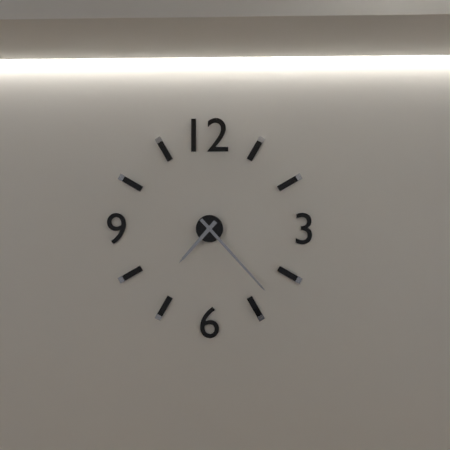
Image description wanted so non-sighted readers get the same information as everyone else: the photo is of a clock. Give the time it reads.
7:23
